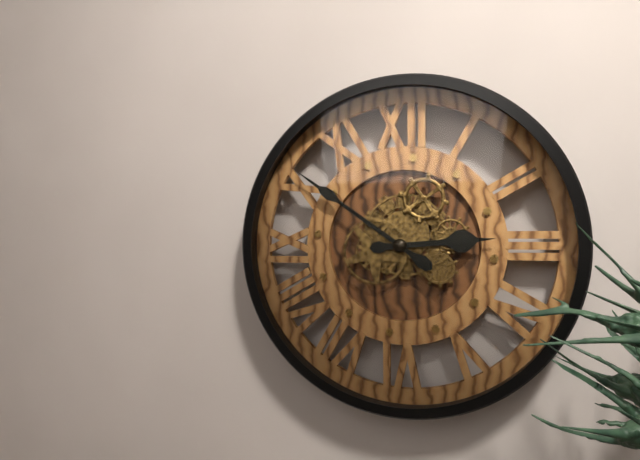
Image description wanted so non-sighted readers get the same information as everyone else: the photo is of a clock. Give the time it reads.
2:51
